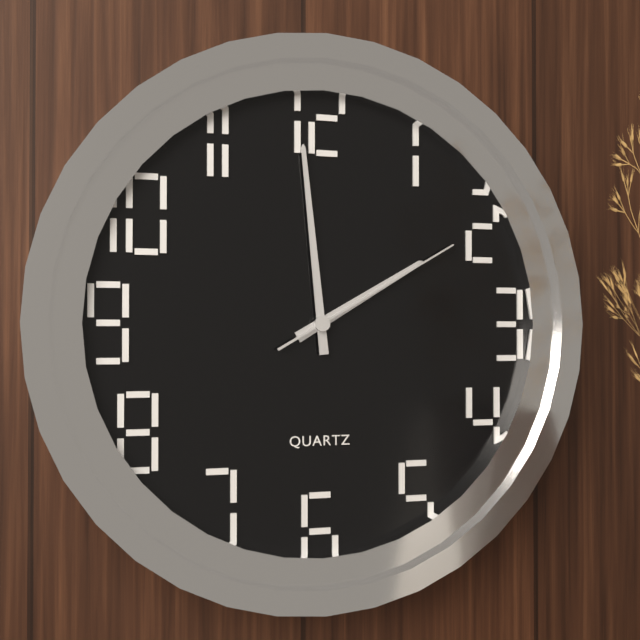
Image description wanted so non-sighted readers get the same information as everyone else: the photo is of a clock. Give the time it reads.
1:59:10
